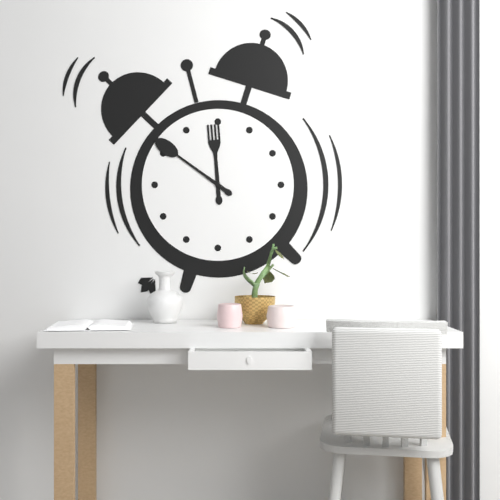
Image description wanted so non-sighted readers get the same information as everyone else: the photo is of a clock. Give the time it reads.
11:51
